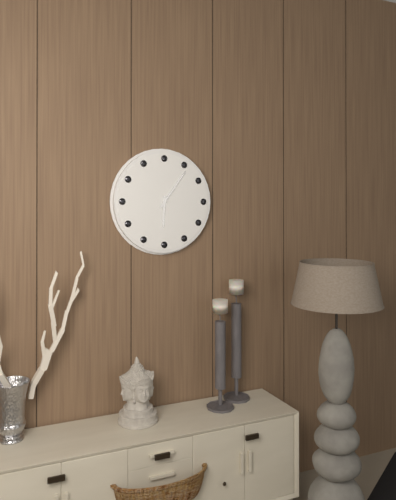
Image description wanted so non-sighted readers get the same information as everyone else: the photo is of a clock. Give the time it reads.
6:06
